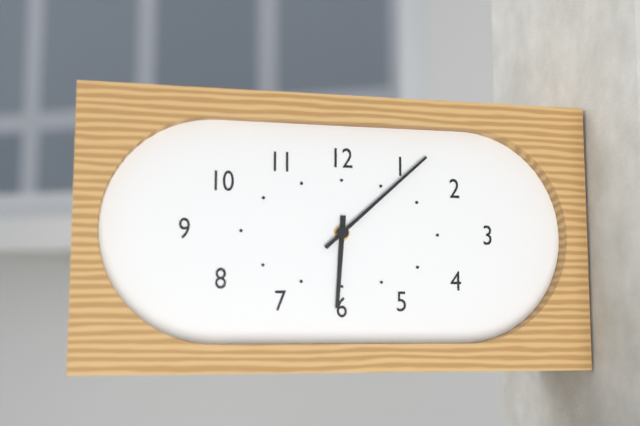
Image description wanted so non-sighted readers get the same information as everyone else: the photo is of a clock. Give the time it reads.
6:08
